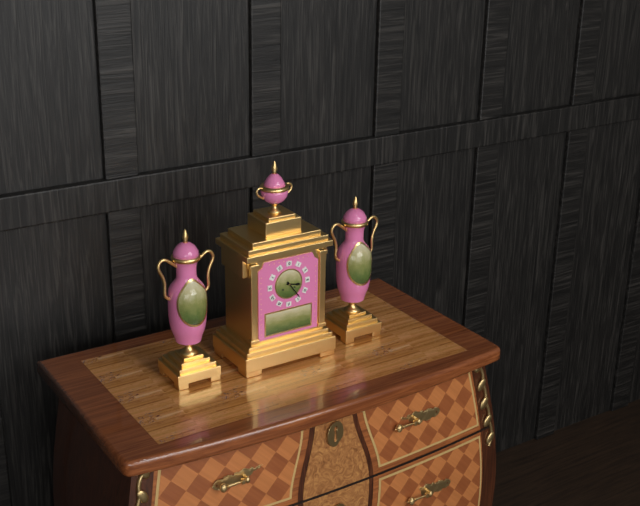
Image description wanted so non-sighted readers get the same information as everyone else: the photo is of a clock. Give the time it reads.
3:24
